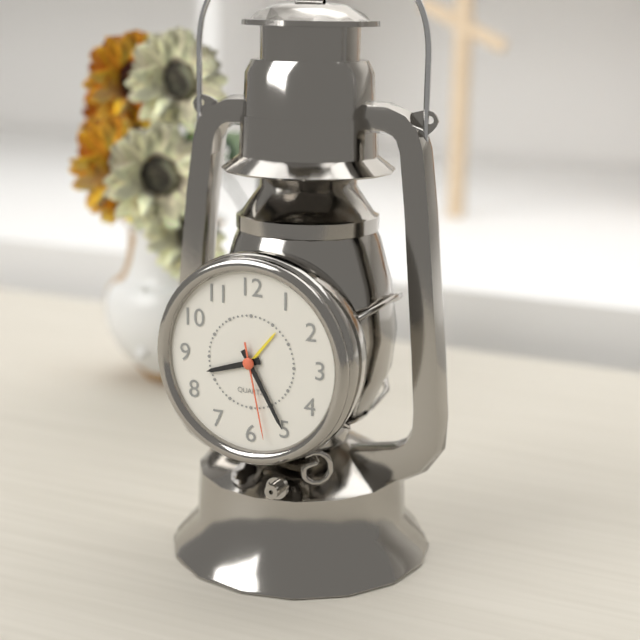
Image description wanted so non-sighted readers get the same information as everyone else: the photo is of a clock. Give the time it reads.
8:25:28
